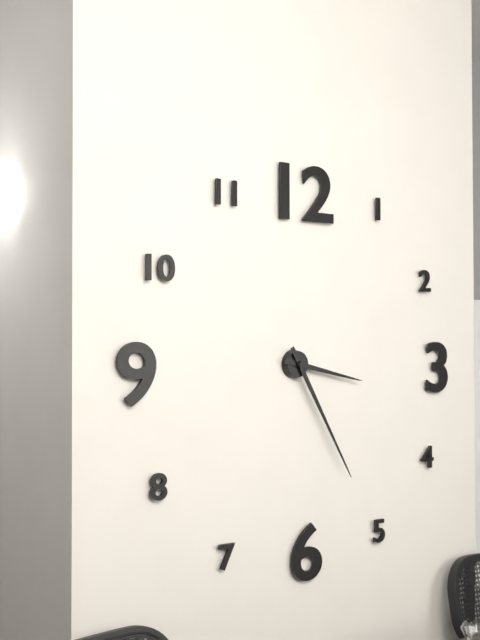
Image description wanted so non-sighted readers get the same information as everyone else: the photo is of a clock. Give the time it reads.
3:25
